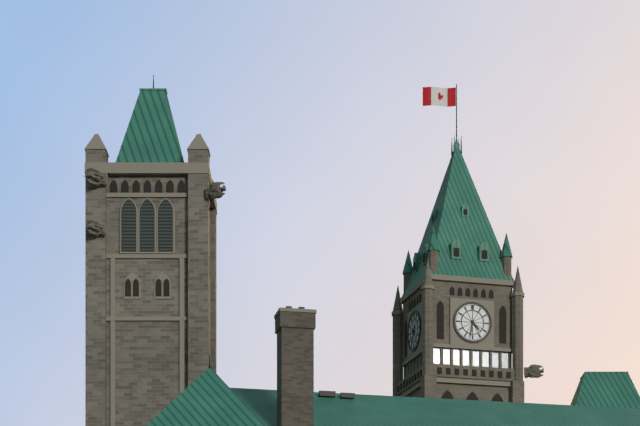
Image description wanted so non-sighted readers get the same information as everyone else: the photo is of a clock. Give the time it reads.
4:32
